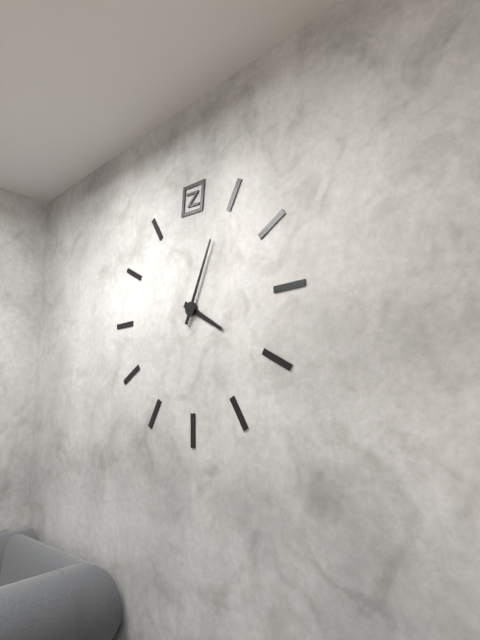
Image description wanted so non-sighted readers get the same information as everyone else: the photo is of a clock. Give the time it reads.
4:04
